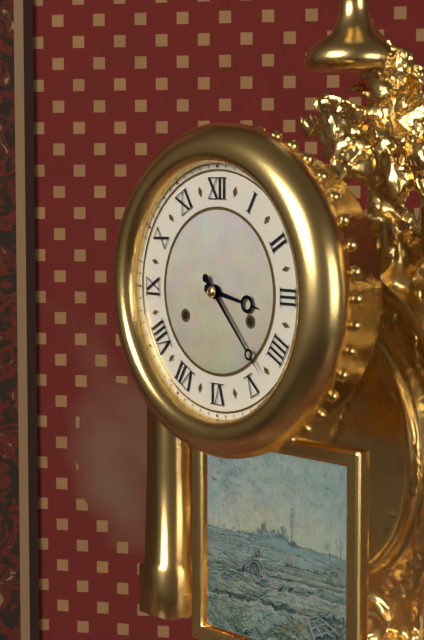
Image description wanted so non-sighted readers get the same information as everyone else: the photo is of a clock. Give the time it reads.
3:23
